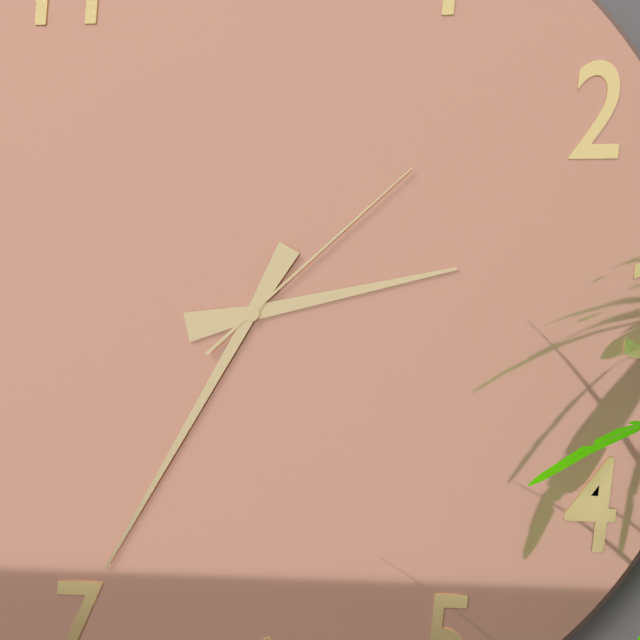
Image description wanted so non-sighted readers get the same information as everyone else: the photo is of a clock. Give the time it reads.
2:35:08
